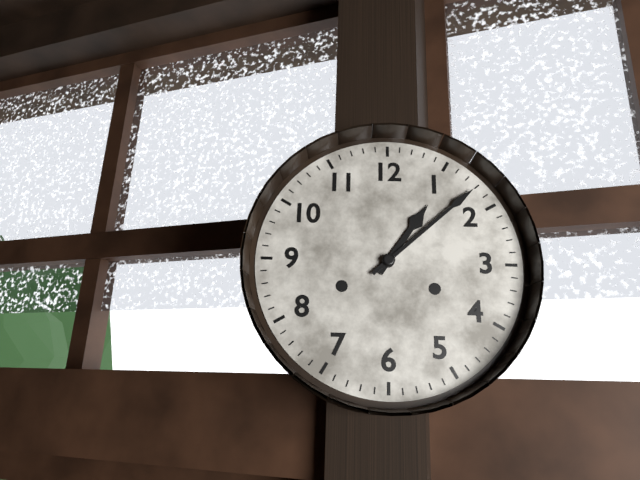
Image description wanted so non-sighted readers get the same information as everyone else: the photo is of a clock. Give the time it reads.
1:08
